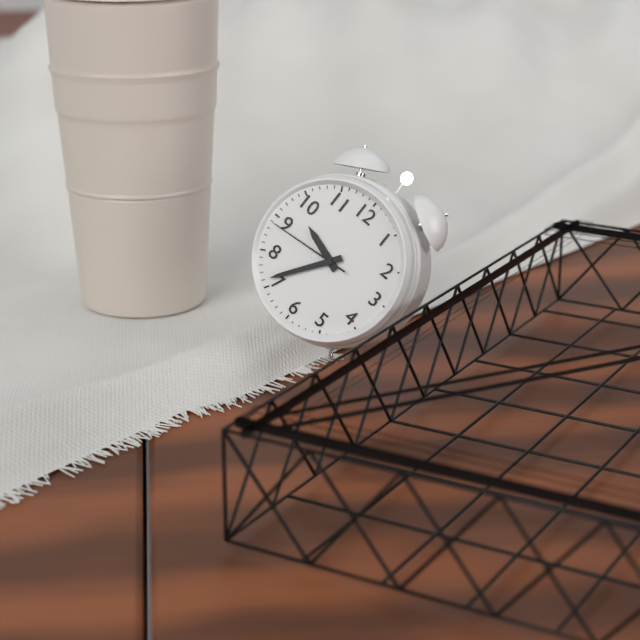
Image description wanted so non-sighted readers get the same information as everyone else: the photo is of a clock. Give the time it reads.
9:36:44
